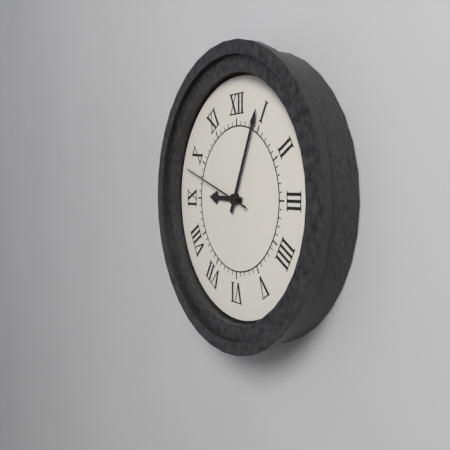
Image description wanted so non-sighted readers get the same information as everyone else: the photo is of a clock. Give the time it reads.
9:04:48
